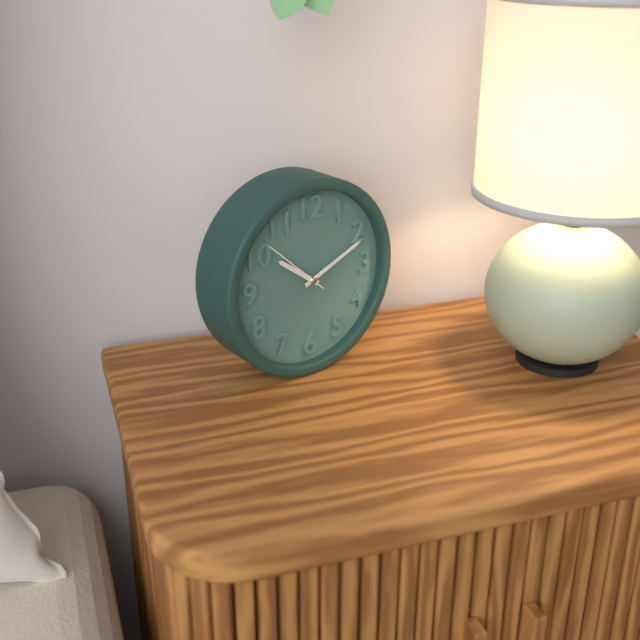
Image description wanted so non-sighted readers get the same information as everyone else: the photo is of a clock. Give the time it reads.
10:11:52
